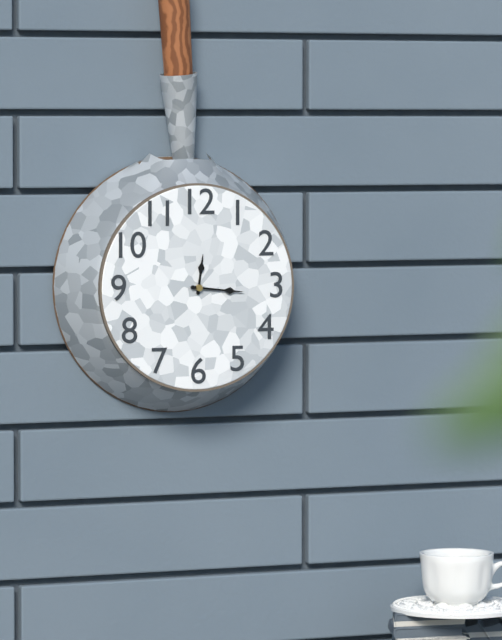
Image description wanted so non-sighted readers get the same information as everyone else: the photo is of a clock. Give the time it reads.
12:16
